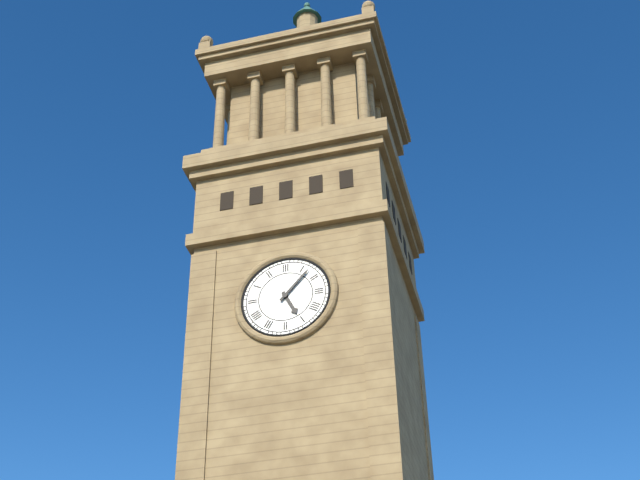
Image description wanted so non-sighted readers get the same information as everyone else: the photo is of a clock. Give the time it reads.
5:07
